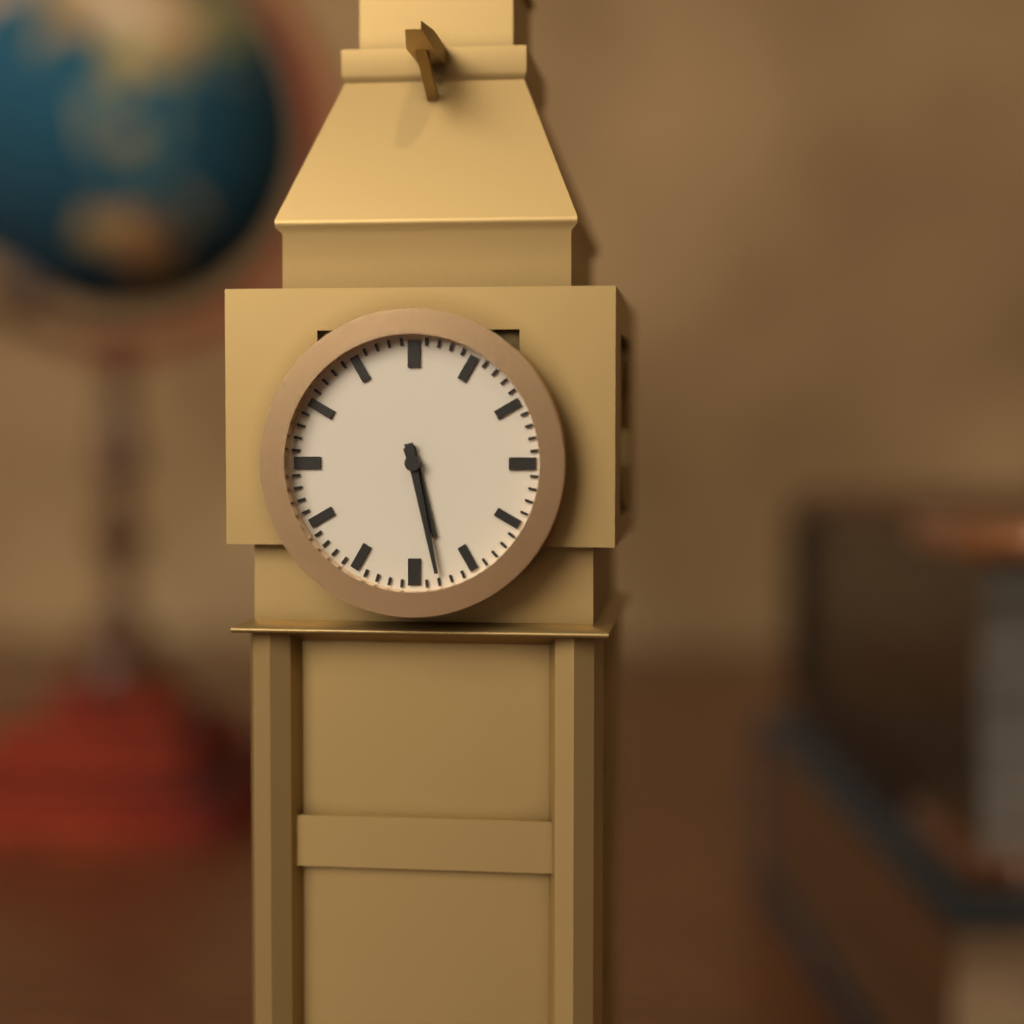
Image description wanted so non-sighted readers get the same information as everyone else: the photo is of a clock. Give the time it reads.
5:28
